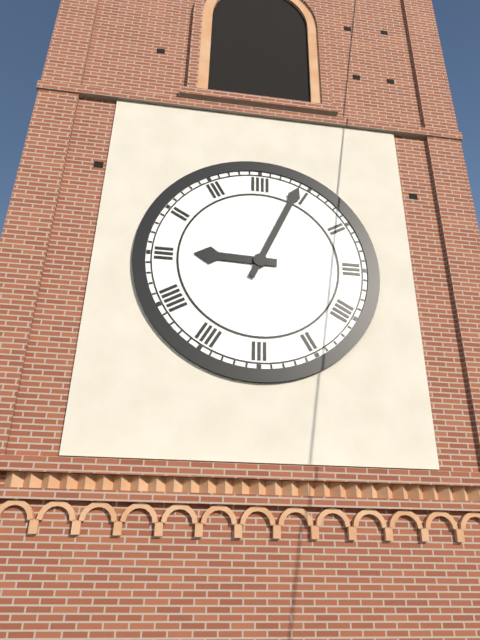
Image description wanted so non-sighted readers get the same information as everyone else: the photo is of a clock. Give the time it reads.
9:04
